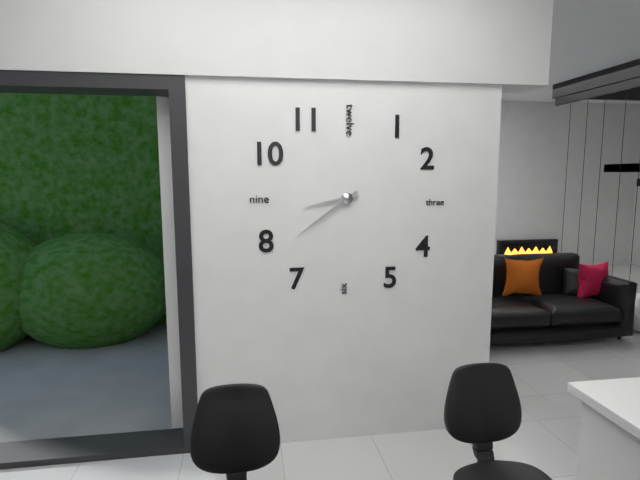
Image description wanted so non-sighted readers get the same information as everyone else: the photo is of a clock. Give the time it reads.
8:39
